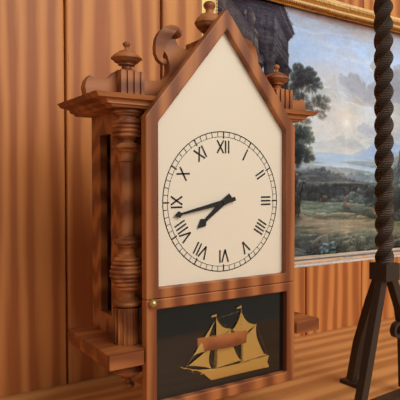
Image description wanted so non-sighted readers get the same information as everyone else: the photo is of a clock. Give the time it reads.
7:43
